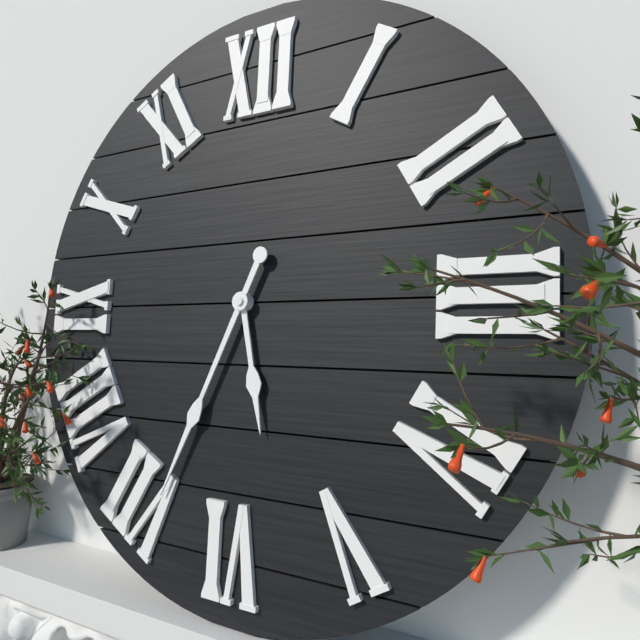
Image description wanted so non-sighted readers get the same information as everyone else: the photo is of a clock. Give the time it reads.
5:34
